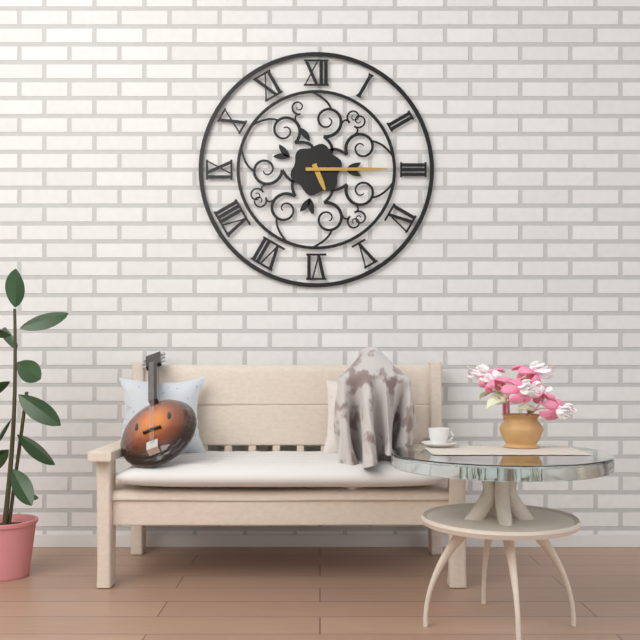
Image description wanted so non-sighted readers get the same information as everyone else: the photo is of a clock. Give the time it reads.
5:15
